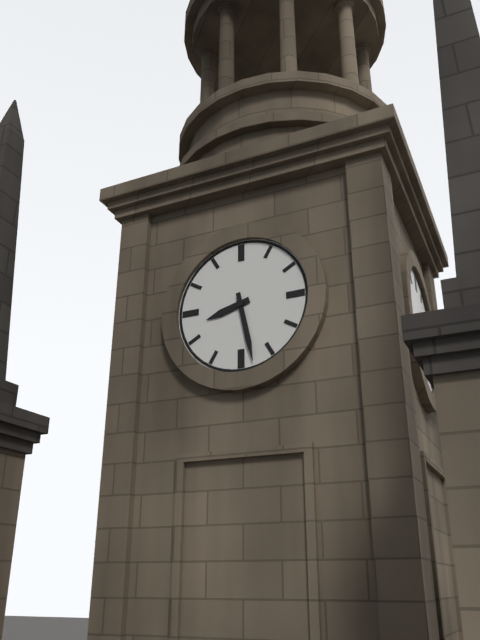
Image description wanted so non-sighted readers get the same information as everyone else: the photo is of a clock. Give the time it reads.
8:28
